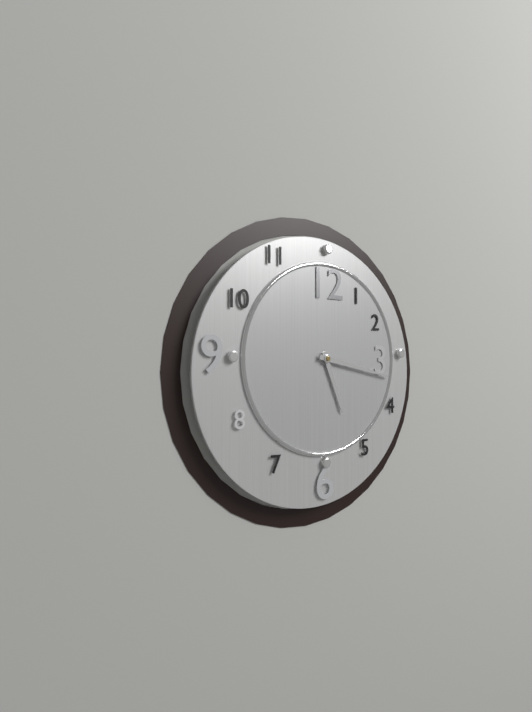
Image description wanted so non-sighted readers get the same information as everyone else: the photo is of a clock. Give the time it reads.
5:17
